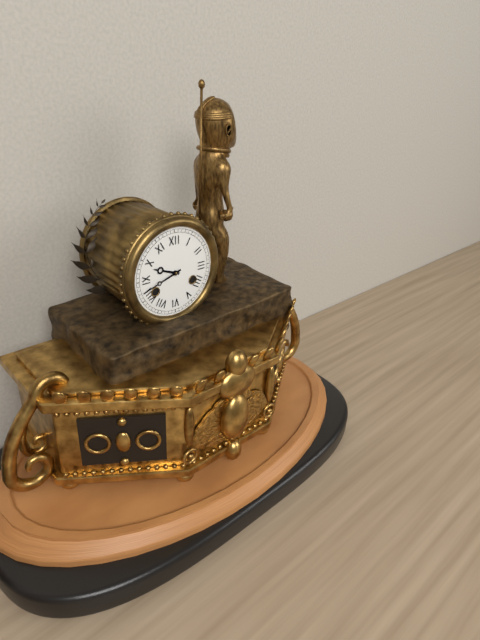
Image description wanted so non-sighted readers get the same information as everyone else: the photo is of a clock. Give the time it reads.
9:42
